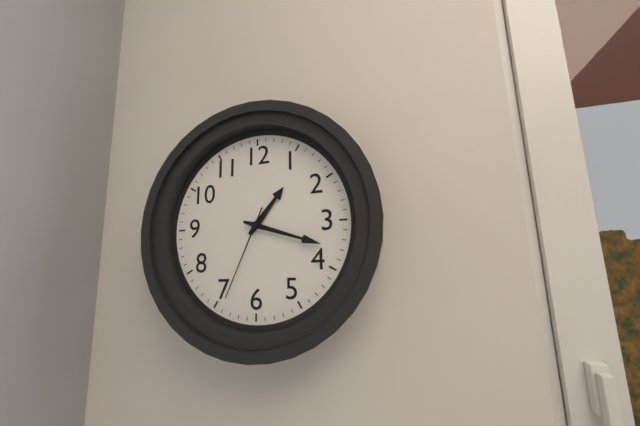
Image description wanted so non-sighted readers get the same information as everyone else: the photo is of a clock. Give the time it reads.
1:18:34
